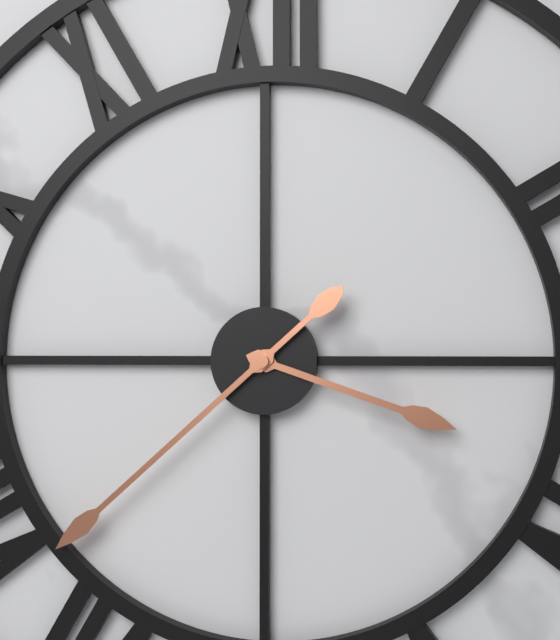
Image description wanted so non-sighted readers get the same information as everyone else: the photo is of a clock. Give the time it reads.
3:38
